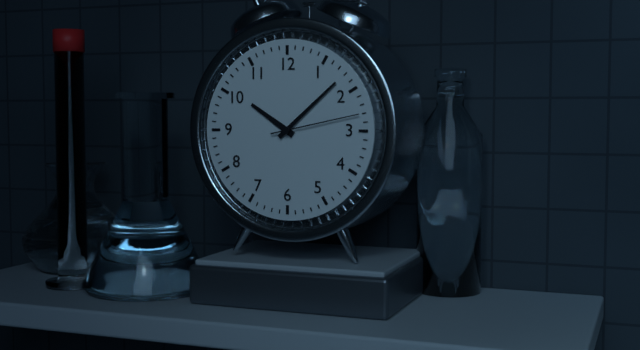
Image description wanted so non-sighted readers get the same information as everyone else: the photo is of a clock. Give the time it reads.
10:08:13
